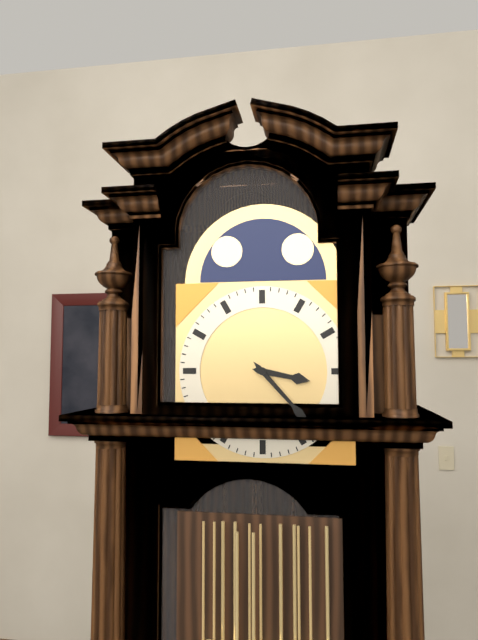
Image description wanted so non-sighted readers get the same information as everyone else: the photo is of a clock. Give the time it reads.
3:23
